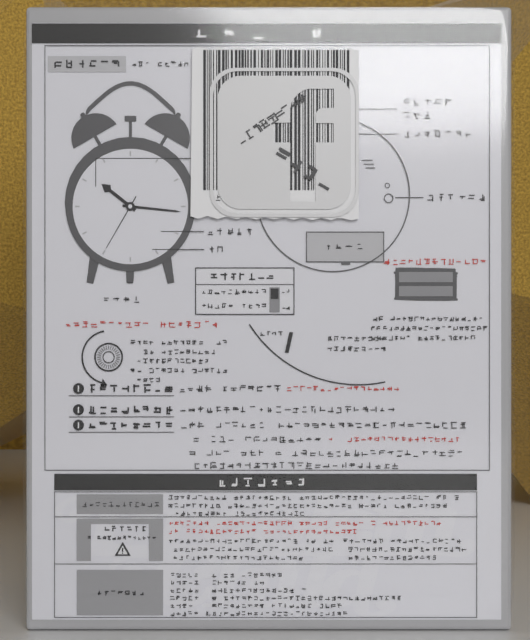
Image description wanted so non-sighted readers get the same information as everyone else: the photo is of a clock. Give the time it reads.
10:16:35
